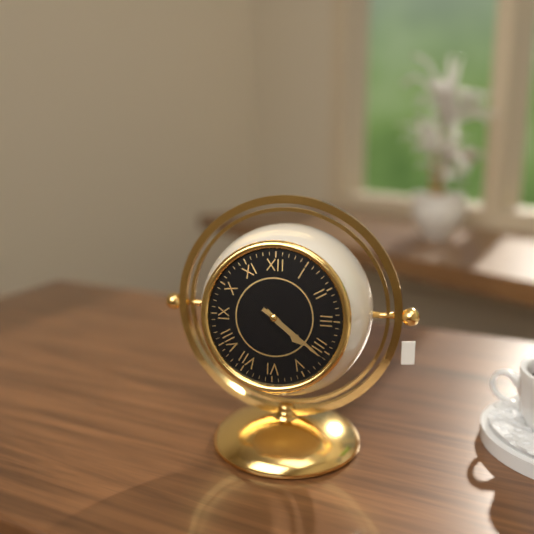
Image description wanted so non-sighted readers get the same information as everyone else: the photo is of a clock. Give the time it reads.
4:21
